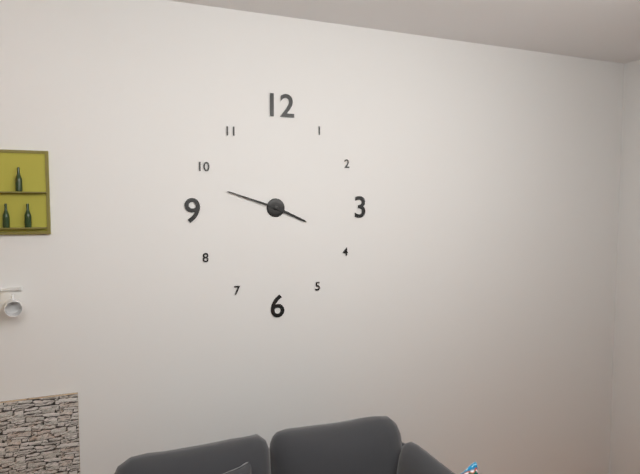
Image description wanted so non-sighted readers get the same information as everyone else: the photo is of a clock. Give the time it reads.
3:48
